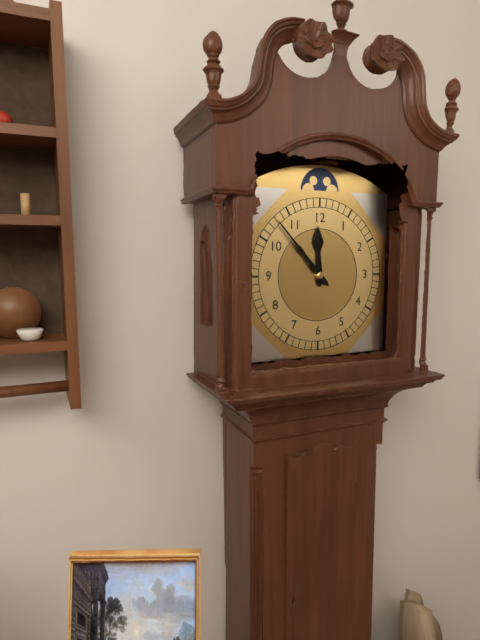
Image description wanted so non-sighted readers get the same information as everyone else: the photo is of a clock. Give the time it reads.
11:53
